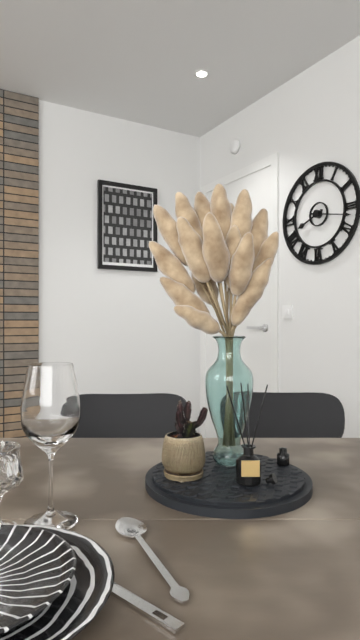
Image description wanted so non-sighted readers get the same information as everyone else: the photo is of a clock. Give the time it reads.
8:17
